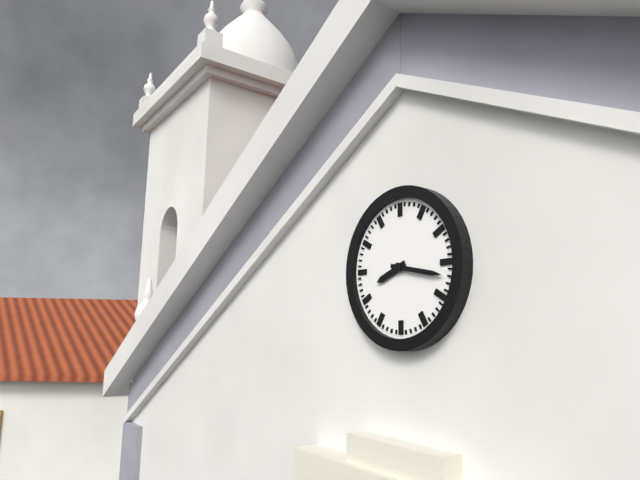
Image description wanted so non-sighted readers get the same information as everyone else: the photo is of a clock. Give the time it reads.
8:17
